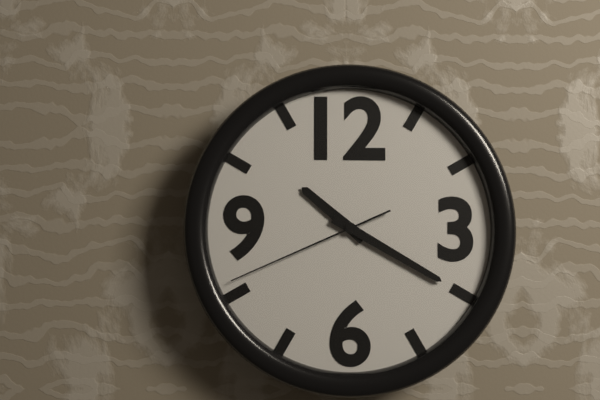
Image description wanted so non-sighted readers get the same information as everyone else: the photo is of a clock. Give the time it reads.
10:20:41
